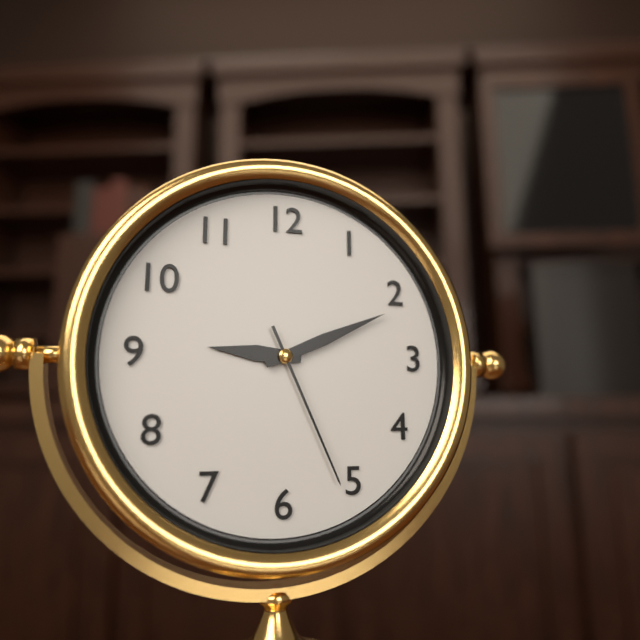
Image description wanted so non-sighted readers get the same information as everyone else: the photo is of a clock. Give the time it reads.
9:11:26
